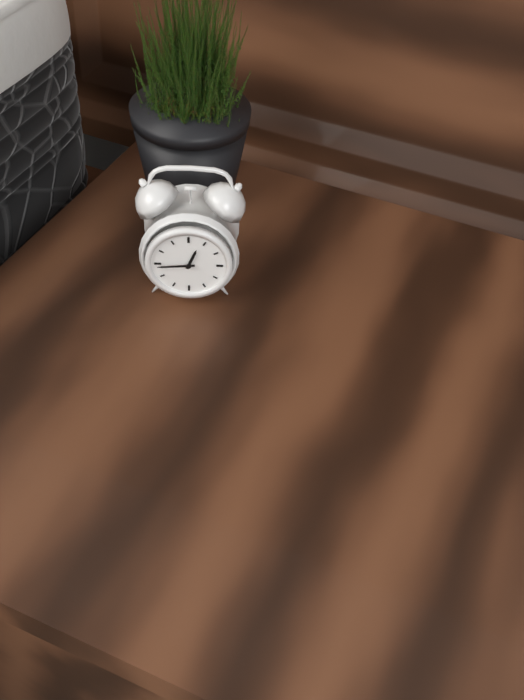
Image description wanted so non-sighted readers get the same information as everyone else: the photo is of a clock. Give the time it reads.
12:44
